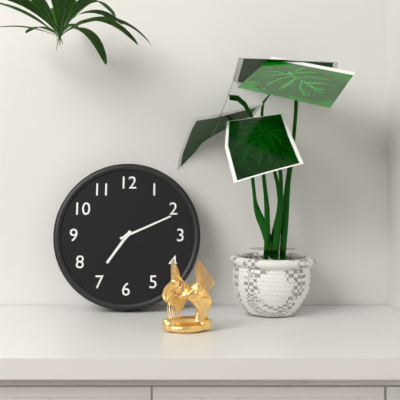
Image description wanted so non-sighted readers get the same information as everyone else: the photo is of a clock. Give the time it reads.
7:11
